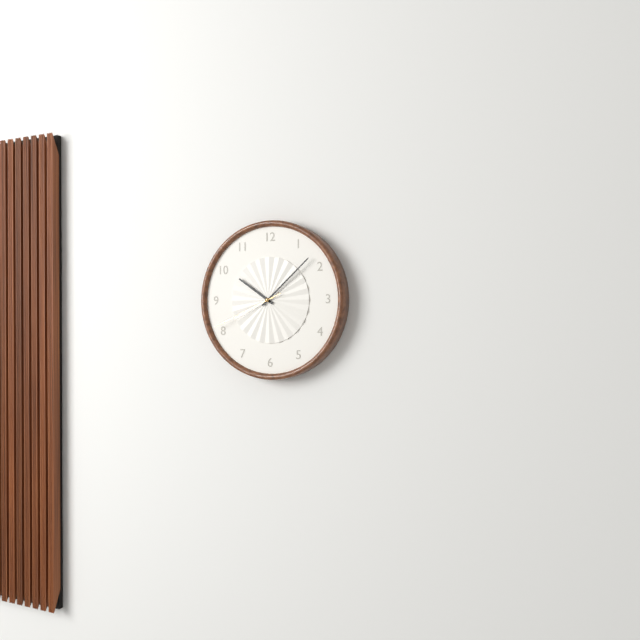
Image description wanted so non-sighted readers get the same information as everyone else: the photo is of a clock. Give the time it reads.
10:08:41
